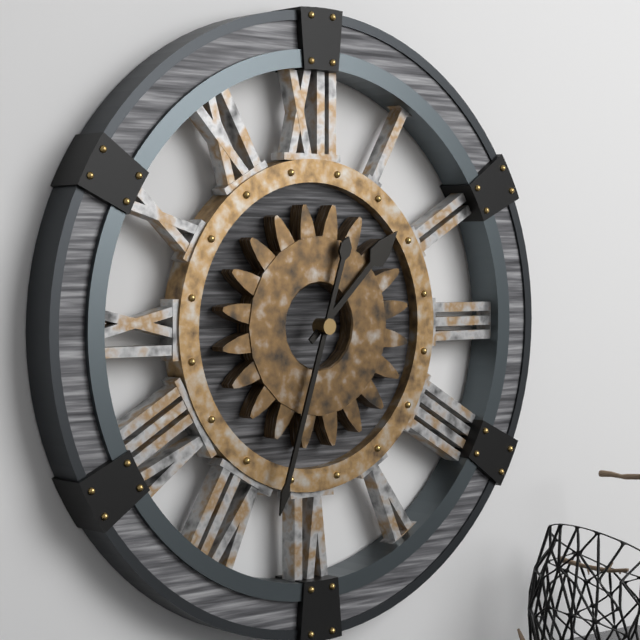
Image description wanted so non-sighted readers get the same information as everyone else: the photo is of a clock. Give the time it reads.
1:33
